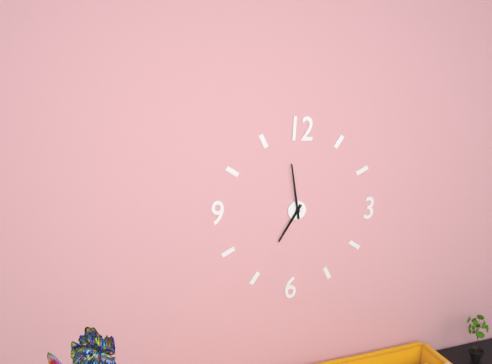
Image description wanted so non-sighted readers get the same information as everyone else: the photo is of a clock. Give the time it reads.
6:58
